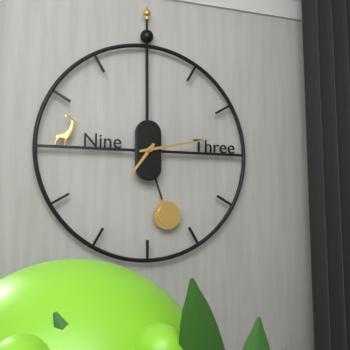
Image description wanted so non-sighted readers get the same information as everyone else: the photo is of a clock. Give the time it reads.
7:13
